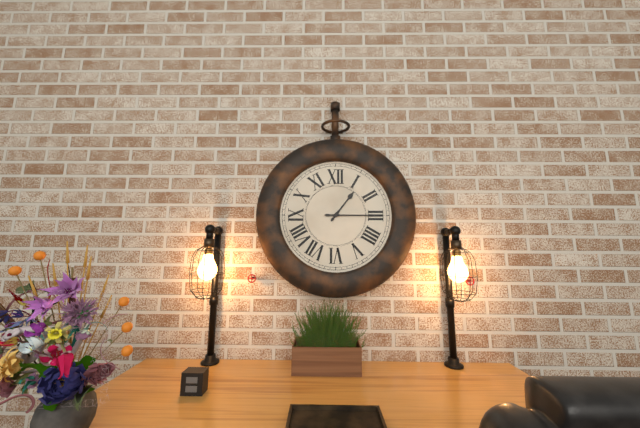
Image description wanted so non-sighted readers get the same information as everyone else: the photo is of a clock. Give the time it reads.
1:15
